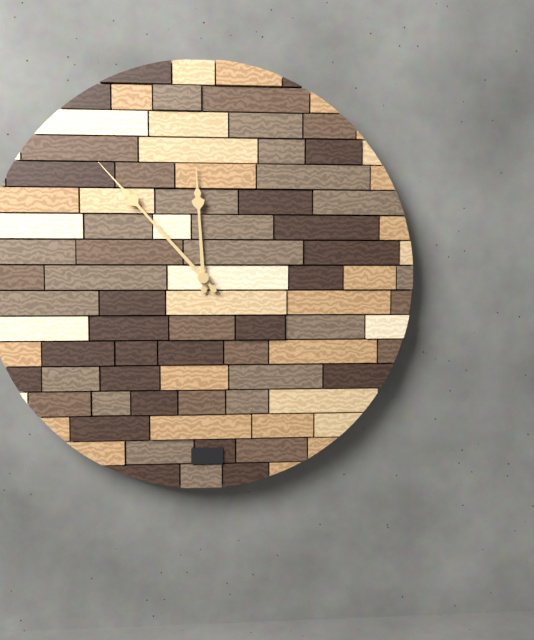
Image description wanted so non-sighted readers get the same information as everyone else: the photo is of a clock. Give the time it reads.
11:53
